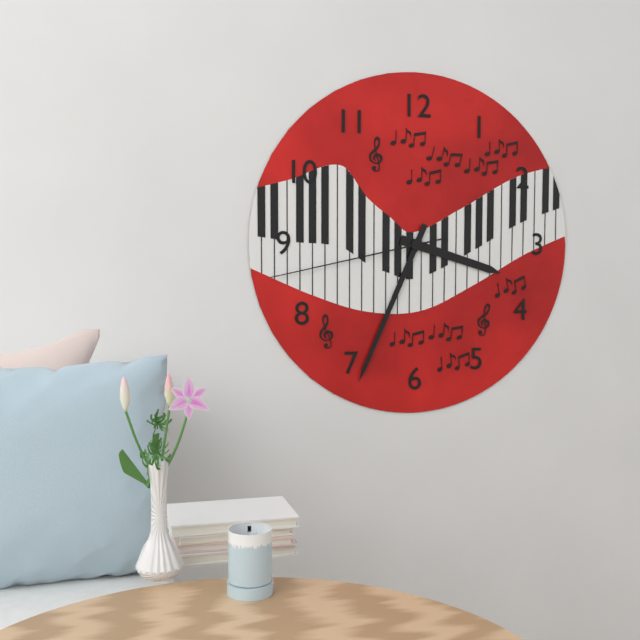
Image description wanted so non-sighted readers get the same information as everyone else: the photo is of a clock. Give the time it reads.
3:34:43
